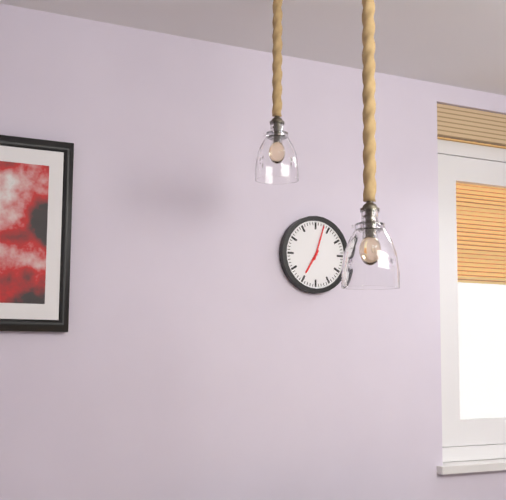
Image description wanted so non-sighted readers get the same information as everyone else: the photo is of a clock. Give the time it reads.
7:03
